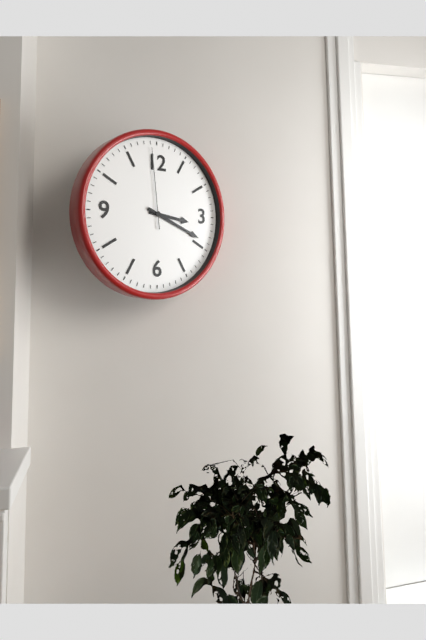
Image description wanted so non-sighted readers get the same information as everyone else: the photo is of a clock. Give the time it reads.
3:19:59
